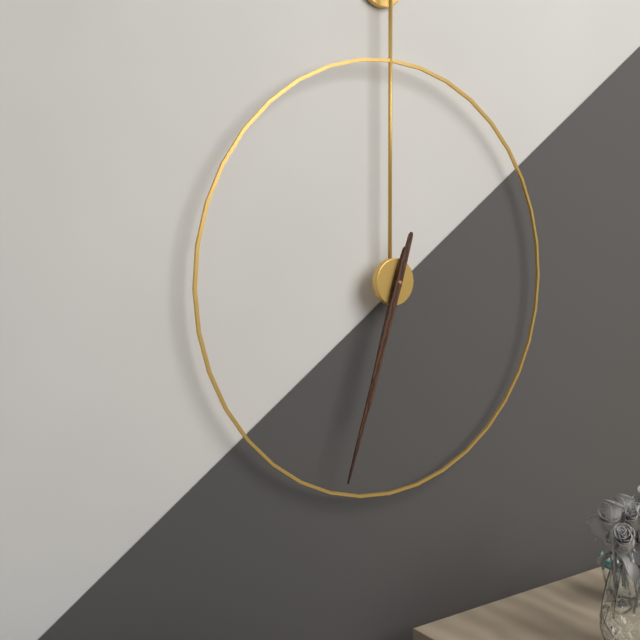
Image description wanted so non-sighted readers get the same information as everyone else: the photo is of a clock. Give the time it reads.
6:33
